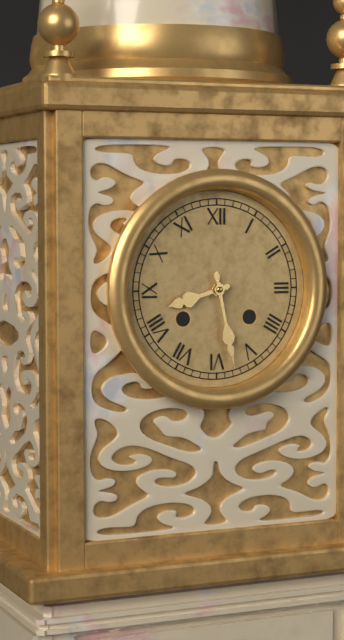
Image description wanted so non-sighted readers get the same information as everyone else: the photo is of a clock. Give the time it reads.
8:28
